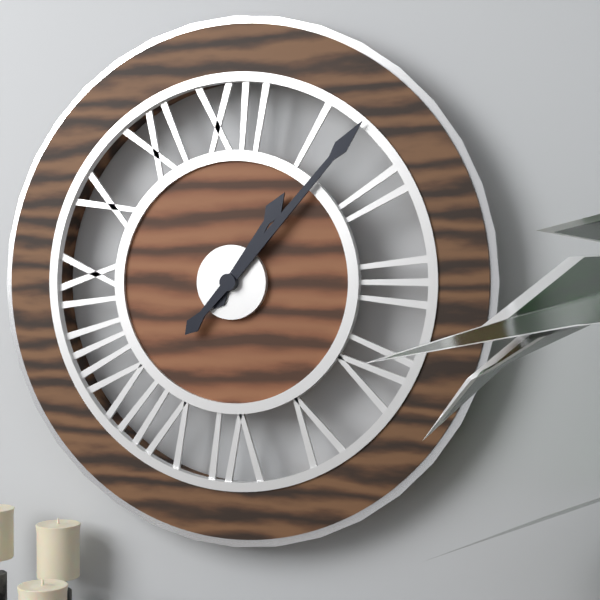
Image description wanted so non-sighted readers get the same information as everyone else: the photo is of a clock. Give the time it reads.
1:07
